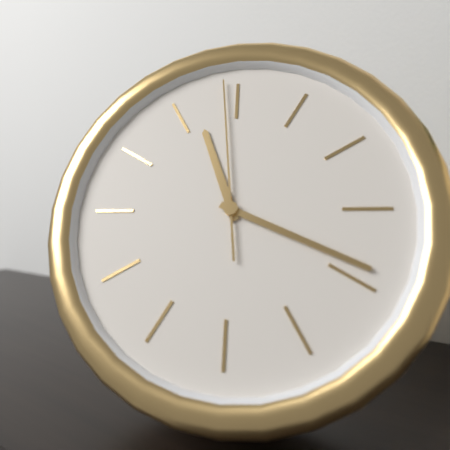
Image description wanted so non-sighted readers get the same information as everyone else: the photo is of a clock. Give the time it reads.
11:19:59
